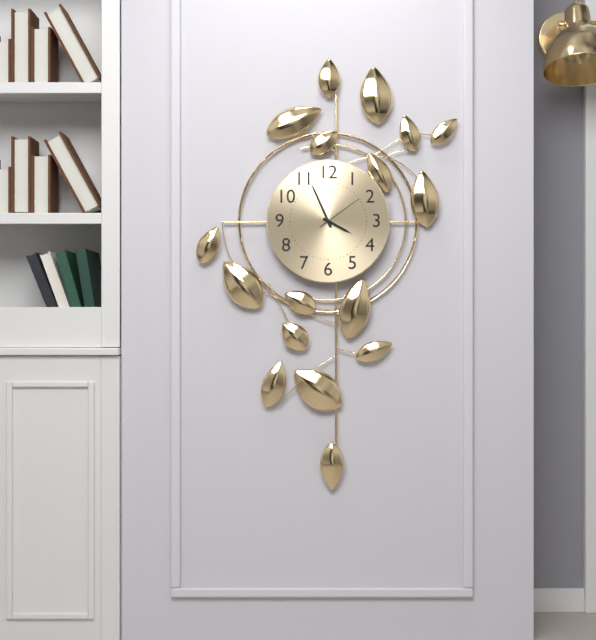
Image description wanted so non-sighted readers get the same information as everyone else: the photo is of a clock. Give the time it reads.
3:56
